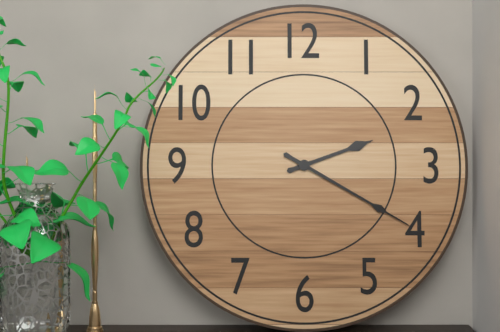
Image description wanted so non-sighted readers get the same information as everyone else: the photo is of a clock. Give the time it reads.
2:20
